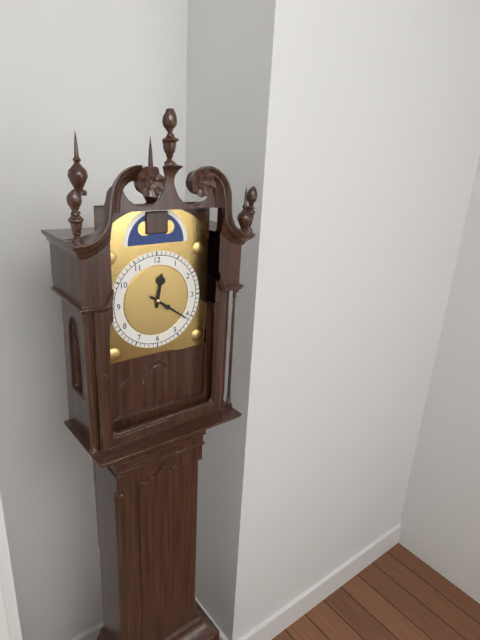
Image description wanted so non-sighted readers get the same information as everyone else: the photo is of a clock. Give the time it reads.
12:21
